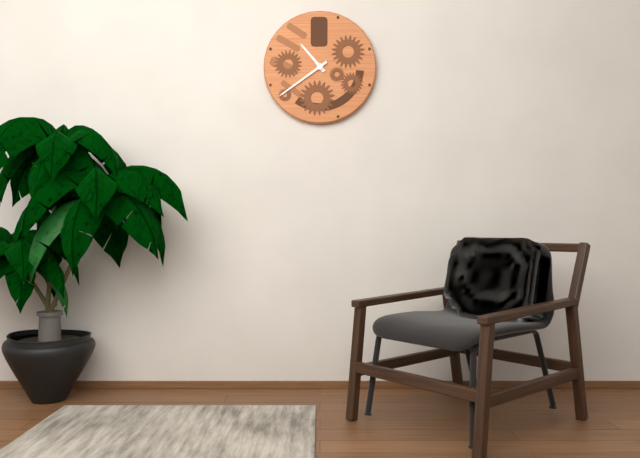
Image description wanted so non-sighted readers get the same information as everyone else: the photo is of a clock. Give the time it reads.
10:39
